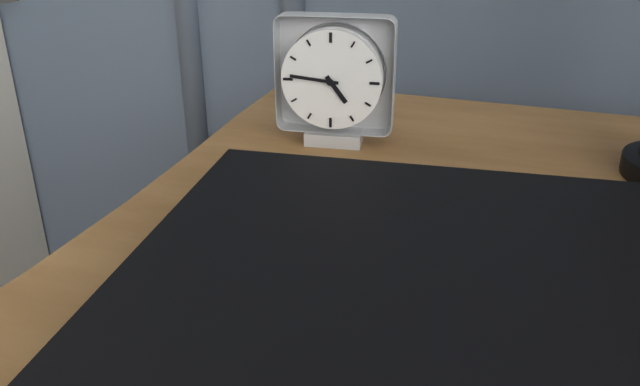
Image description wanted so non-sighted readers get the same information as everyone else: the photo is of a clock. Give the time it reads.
4:46
